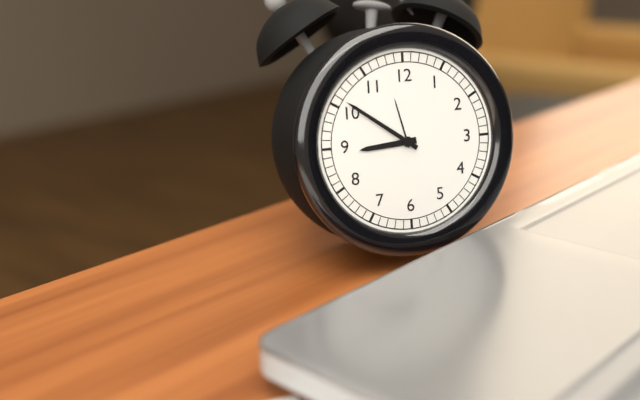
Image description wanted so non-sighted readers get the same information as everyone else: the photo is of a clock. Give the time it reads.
8:51
